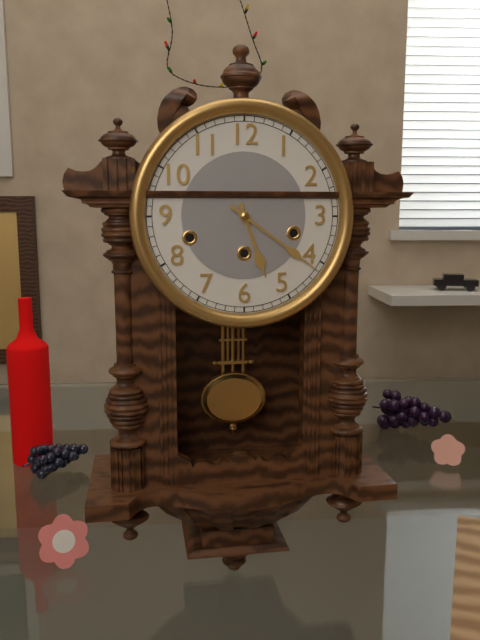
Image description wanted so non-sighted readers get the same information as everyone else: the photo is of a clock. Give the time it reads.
5:21
